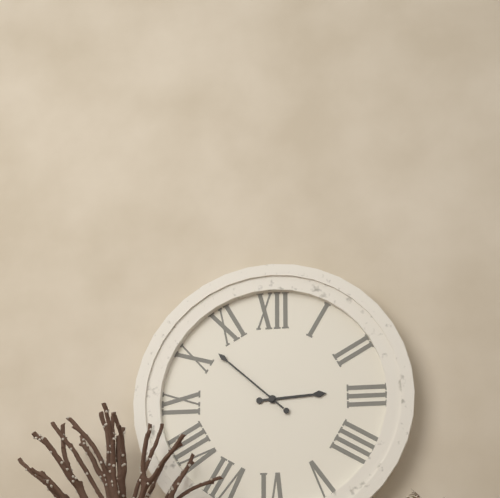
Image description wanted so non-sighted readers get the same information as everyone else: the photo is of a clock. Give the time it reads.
2:52
